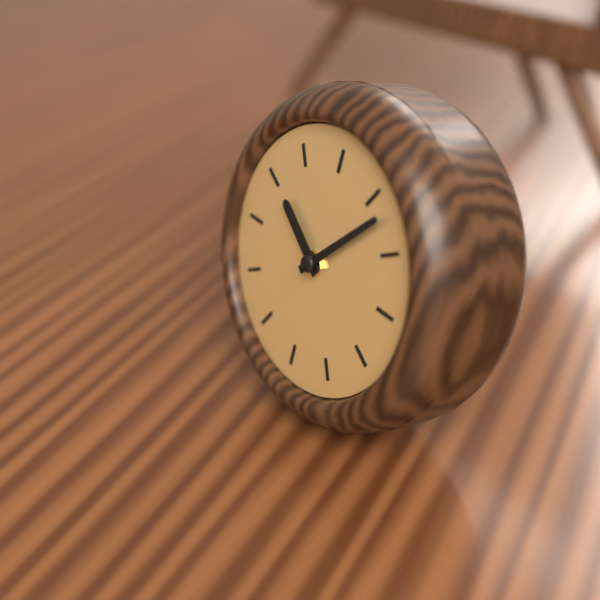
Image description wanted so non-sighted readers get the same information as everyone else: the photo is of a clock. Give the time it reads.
10:07
